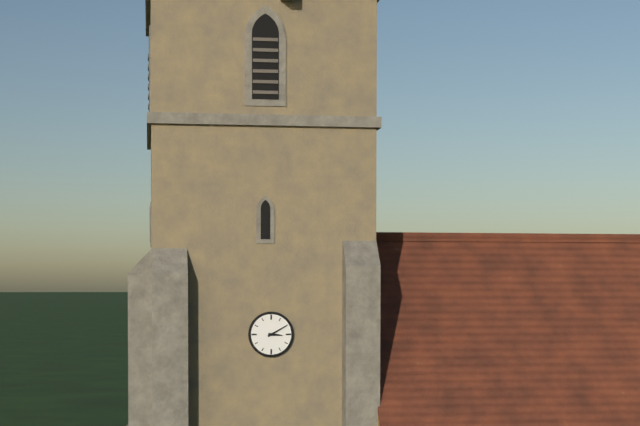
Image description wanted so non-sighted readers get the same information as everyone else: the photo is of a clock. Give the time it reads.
3:10
